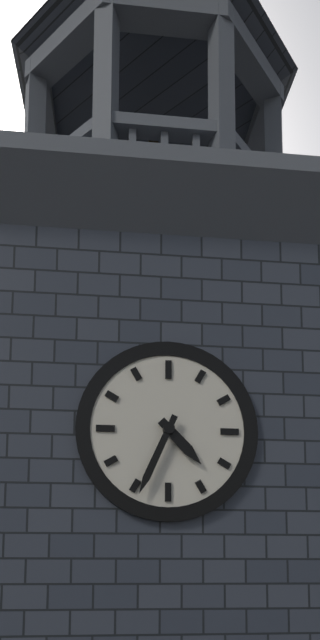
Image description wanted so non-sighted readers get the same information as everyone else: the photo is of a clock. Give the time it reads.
4:34
